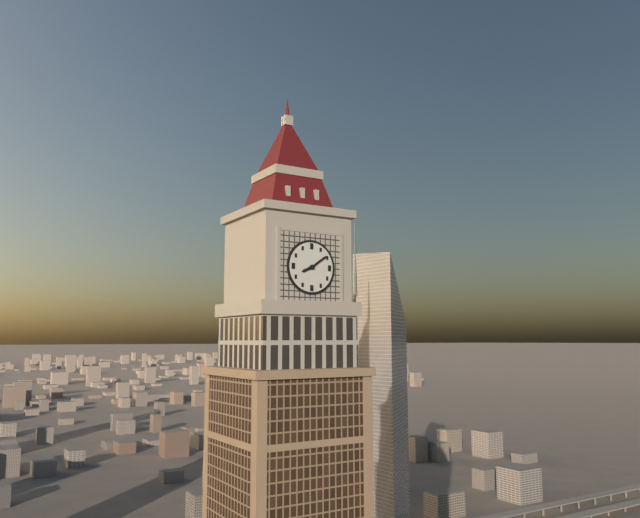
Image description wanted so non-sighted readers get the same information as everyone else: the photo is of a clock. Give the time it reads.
8:09
